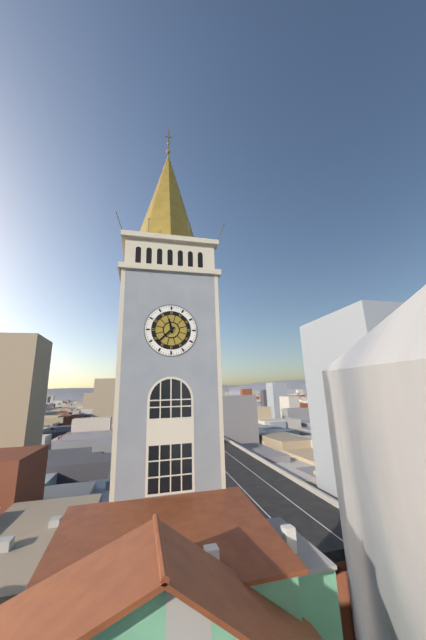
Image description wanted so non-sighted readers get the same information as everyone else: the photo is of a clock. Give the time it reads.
11:38
